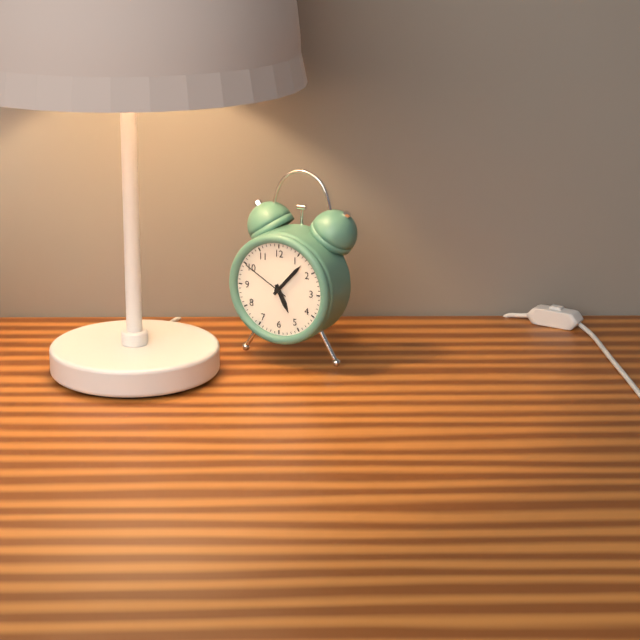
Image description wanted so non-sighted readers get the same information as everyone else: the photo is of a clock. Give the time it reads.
5:07:50
